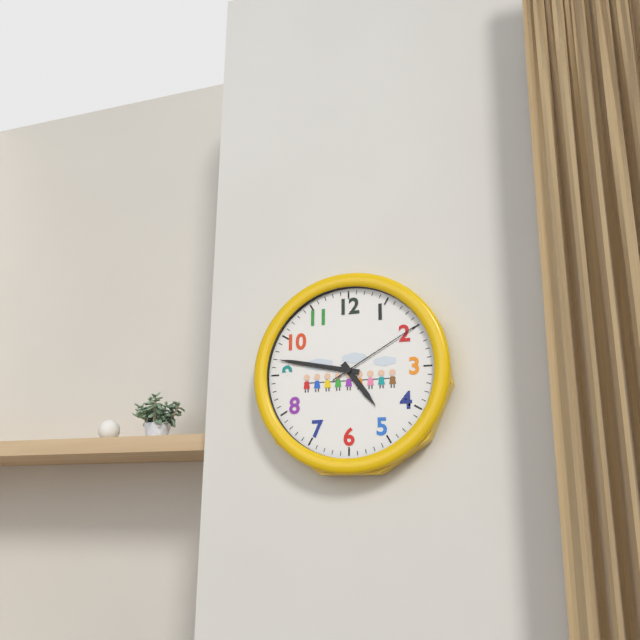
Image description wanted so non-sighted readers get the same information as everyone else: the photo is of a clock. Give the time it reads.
4:47:10
